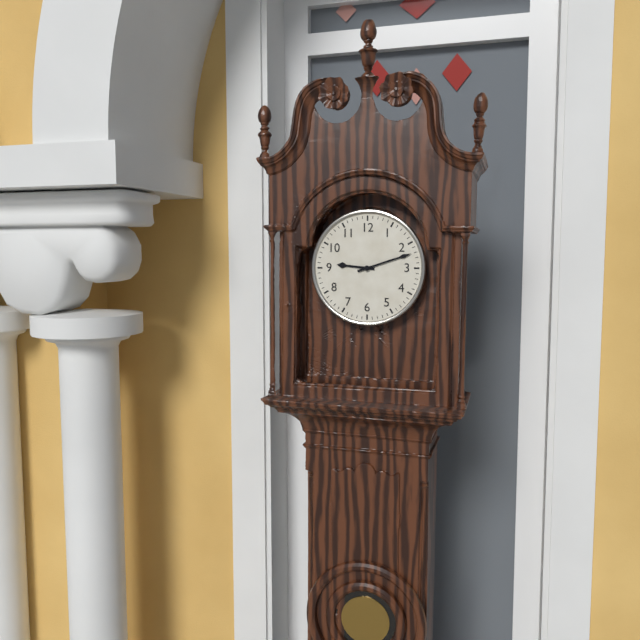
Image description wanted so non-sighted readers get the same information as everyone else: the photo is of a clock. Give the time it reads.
9:12
